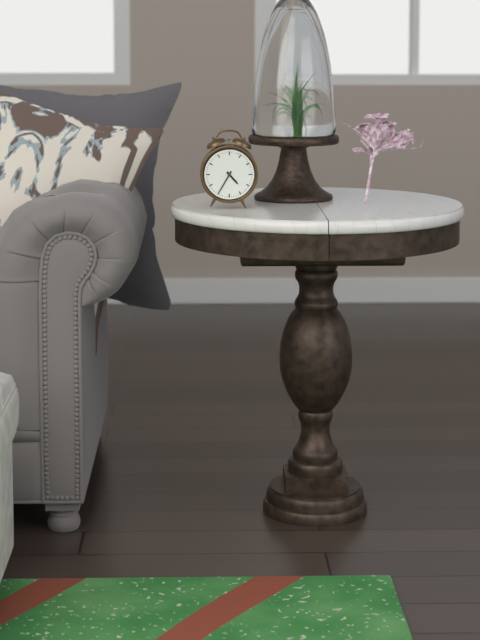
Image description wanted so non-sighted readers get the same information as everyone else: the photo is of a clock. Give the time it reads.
4:35
